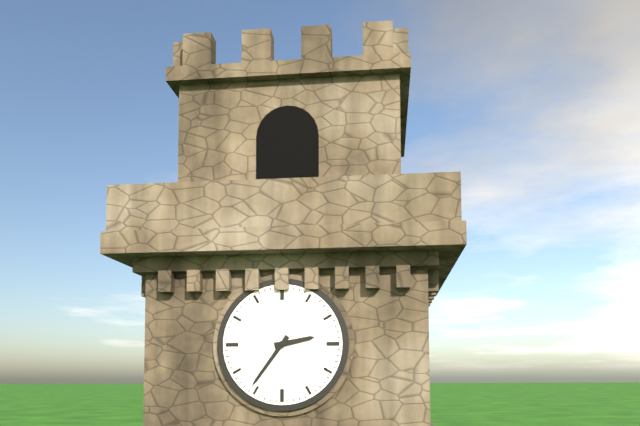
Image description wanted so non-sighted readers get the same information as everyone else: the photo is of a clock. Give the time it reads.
2:36
